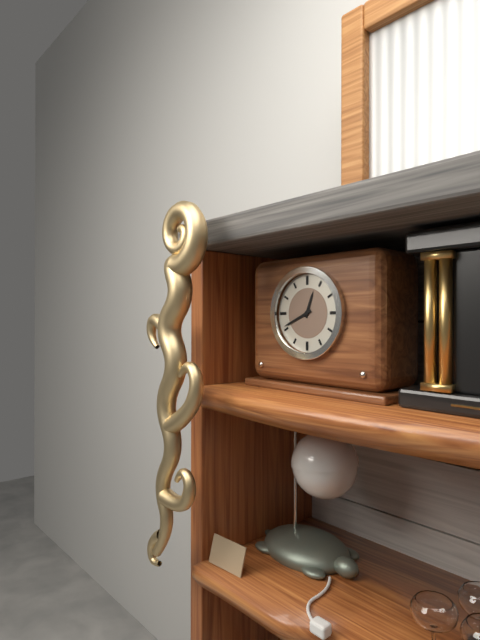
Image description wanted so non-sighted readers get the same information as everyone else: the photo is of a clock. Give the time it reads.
12:41
